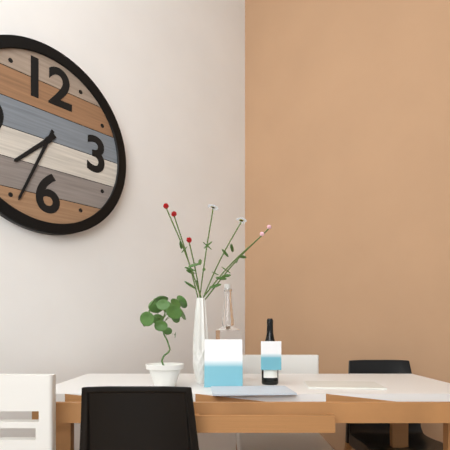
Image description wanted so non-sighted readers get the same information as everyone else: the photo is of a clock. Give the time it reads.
7:34
